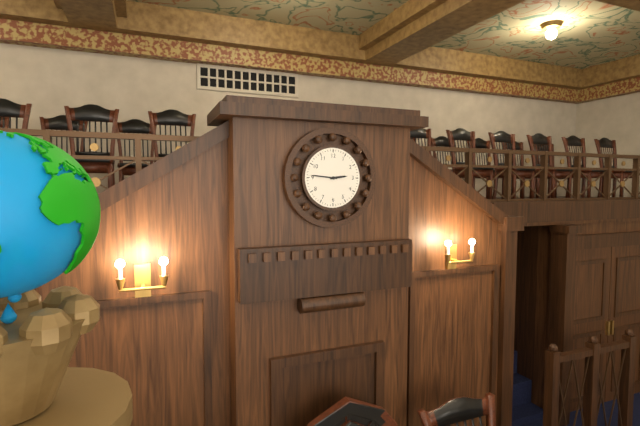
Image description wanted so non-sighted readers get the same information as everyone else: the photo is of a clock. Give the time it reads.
2:46
